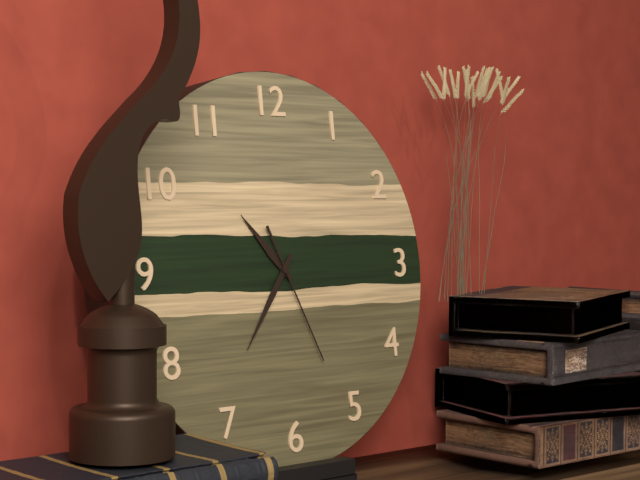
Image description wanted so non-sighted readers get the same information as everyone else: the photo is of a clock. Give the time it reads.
10:36:26
